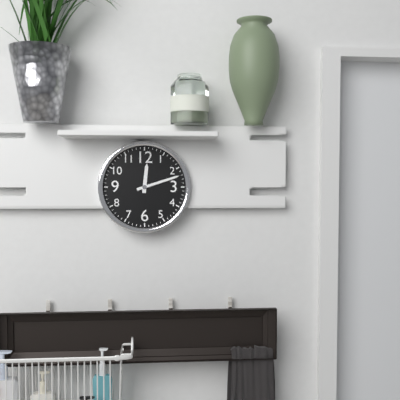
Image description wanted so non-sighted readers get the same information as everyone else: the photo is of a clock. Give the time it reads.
12:12
